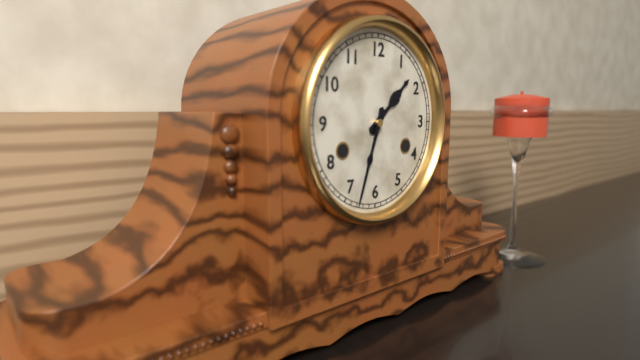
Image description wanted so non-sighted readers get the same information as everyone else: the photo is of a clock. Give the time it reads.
1:33
